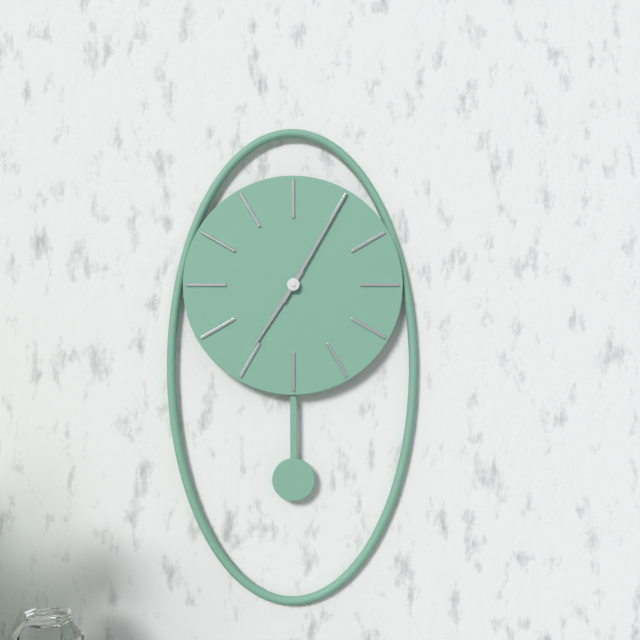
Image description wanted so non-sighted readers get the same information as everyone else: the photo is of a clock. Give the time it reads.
7:05
